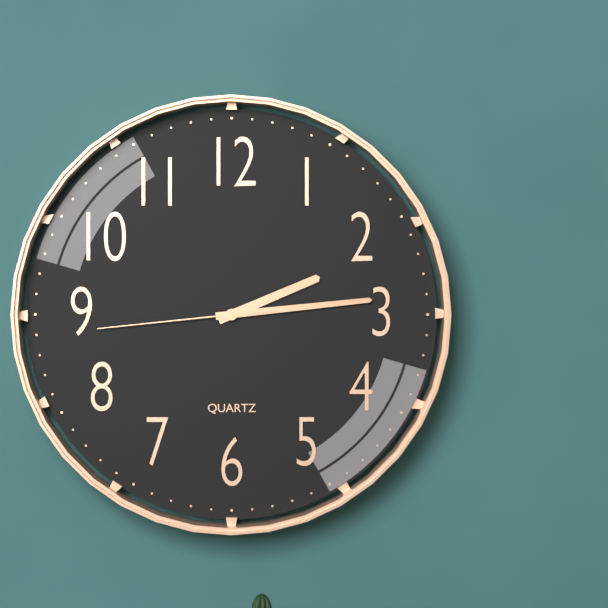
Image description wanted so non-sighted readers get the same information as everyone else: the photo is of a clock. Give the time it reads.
2:14:44
